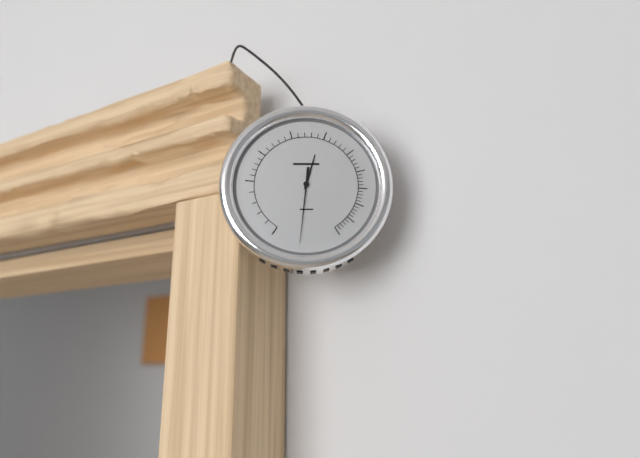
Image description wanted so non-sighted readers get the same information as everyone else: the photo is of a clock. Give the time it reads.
12:31
